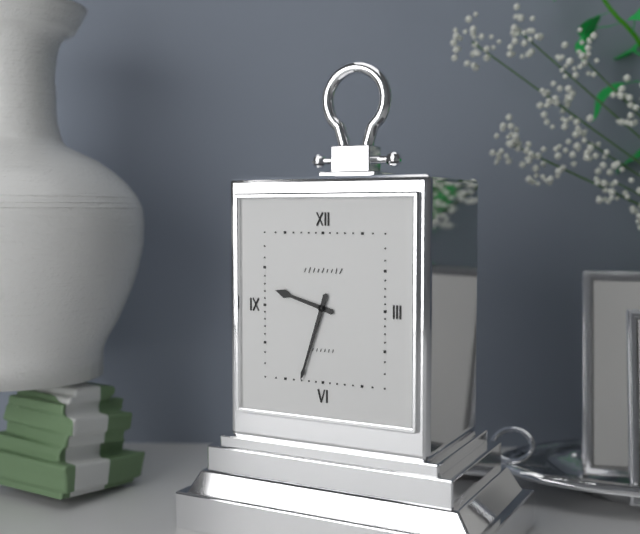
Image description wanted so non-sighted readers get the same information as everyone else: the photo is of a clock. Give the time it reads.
9:33
